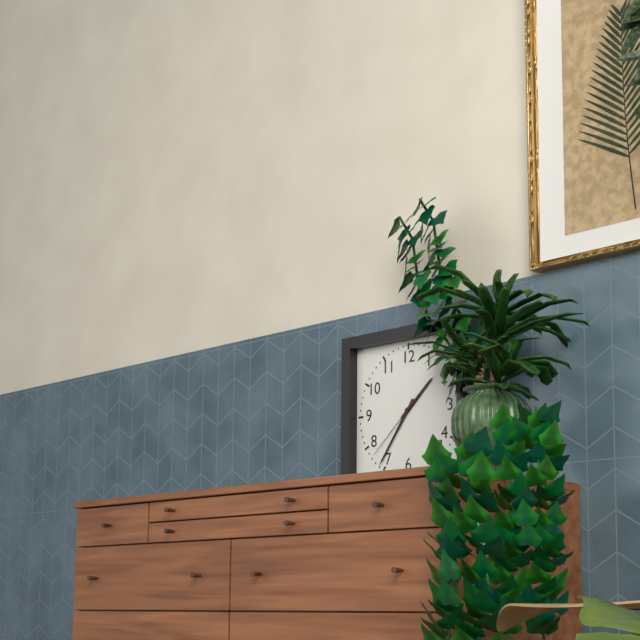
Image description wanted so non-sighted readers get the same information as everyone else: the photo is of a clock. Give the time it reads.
1:36:38
